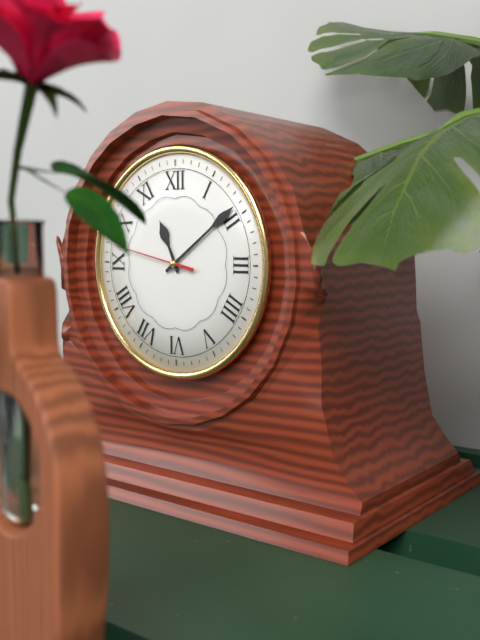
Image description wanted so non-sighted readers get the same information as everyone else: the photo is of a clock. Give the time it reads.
11:09:47
